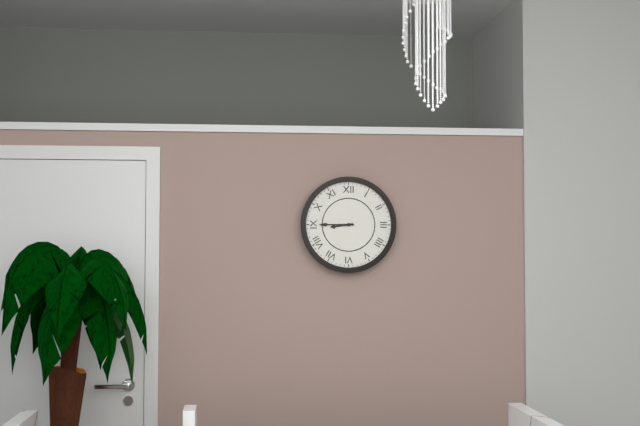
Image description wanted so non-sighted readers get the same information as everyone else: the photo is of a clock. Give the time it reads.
8:45
